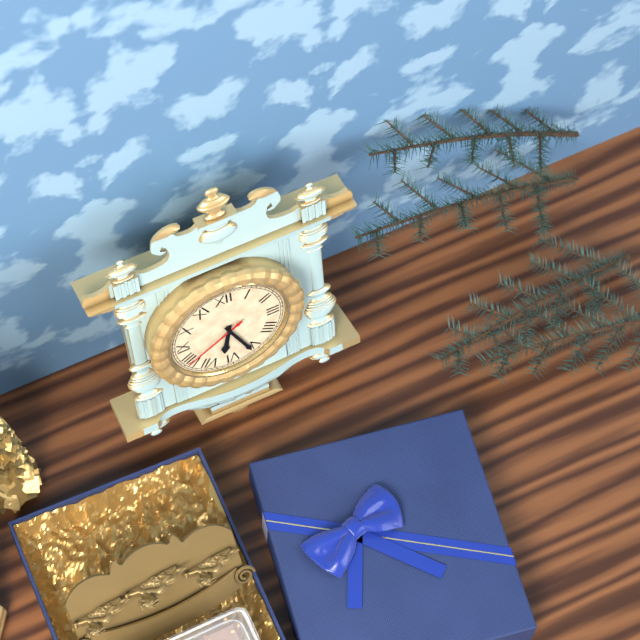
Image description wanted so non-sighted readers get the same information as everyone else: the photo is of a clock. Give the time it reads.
6:26:40
